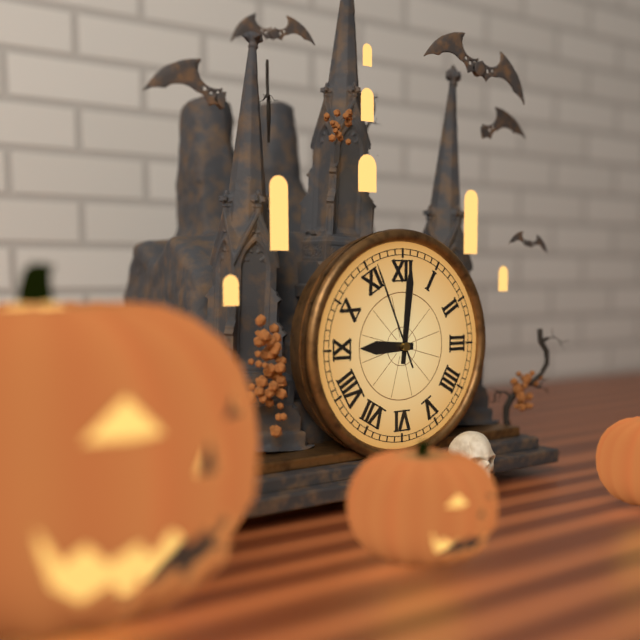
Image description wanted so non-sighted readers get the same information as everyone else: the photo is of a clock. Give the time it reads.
9:01:56
